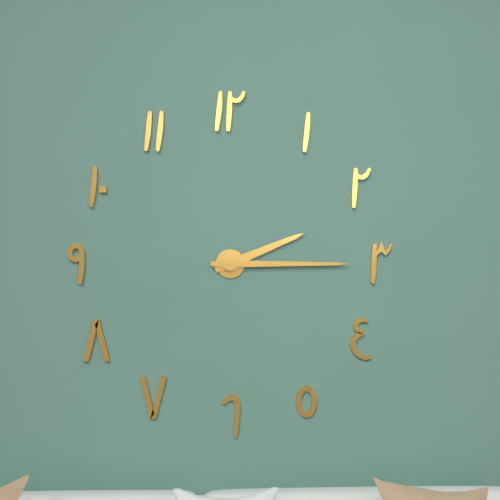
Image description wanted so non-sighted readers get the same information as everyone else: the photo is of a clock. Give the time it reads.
2:15
